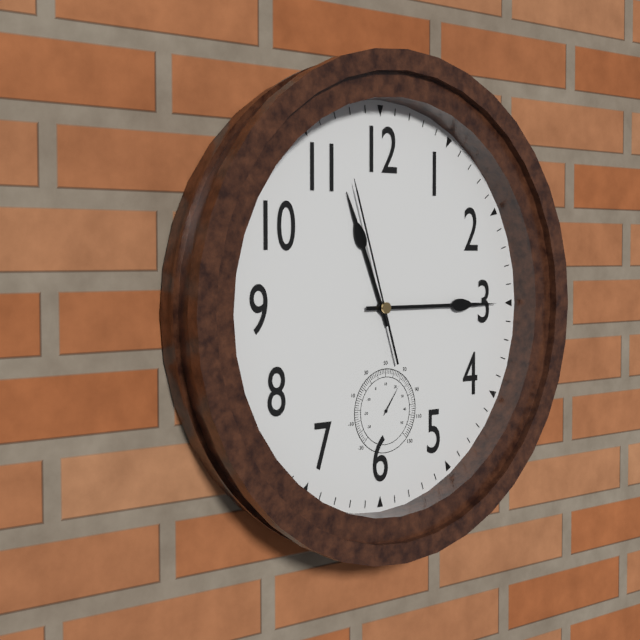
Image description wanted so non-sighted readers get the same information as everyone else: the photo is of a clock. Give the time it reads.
11:15:57
